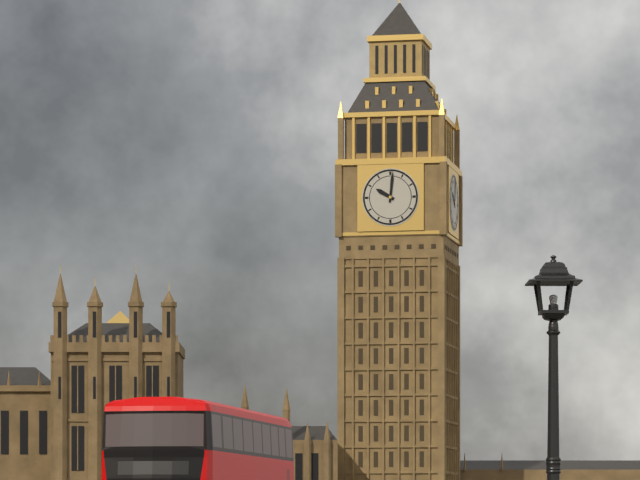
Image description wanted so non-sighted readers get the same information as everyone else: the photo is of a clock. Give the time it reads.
10:01
